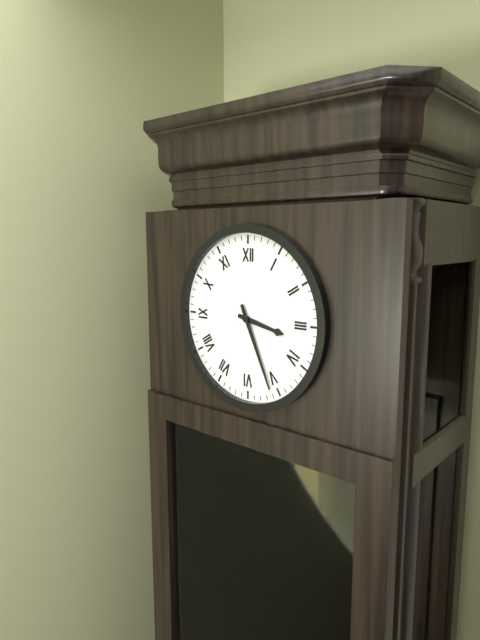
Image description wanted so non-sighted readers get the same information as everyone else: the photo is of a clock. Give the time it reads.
3:26
